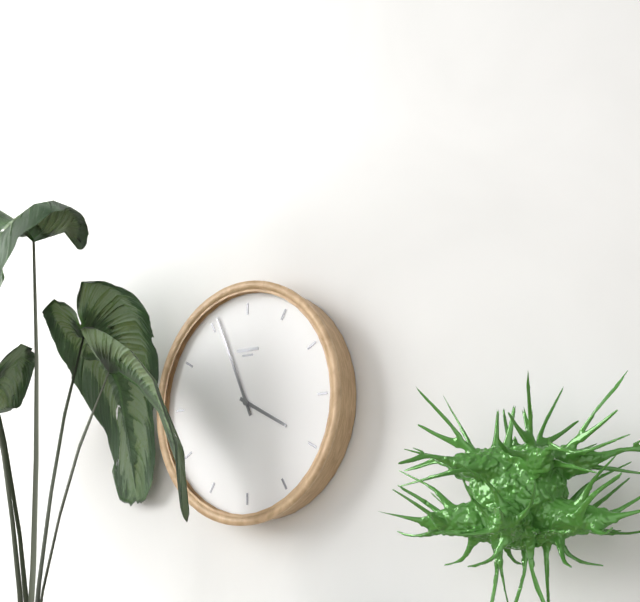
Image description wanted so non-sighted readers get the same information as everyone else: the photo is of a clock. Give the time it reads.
3:56
